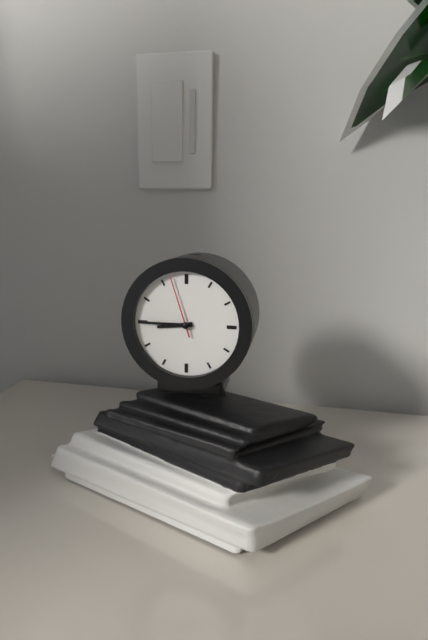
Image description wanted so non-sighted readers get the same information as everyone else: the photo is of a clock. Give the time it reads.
8:45:57
